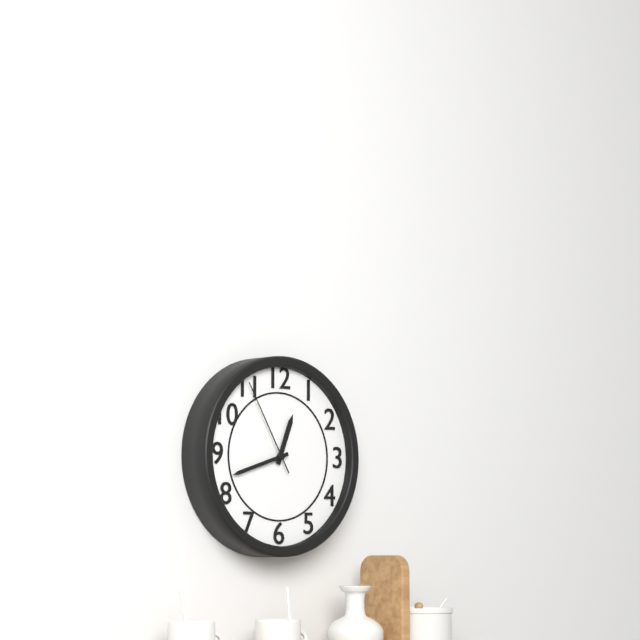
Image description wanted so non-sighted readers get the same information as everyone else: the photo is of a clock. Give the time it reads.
12:42:55
